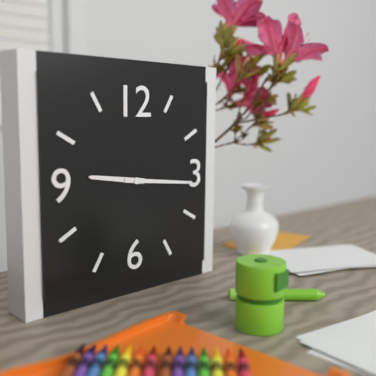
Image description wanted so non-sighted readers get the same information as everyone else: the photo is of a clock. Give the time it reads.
9:16
